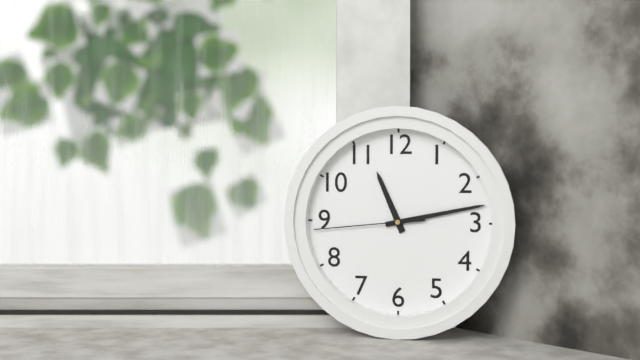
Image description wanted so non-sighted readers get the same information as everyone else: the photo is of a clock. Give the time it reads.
11:13:44
